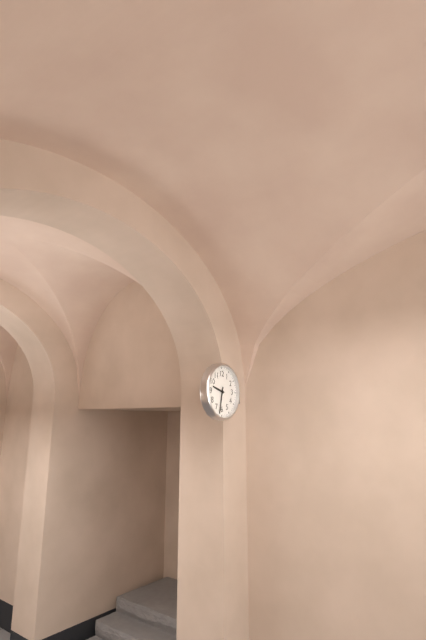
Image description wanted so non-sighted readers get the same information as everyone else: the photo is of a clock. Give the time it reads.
9:32
